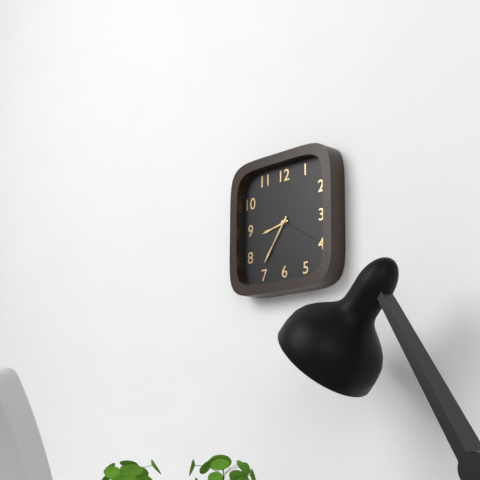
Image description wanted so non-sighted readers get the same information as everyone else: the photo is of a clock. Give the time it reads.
8:36
